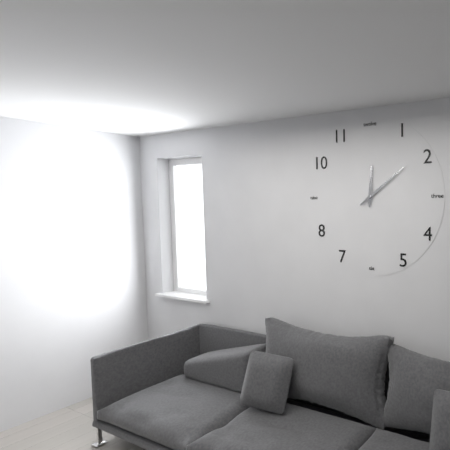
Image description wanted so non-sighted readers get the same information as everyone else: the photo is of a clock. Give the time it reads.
12:09
